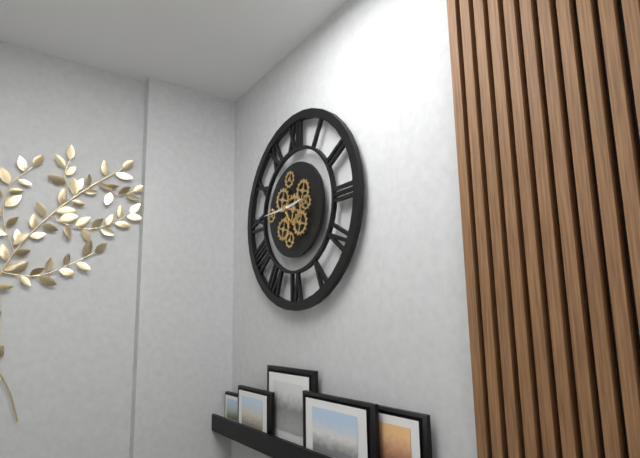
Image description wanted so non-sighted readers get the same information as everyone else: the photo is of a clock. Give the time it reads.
2:45
